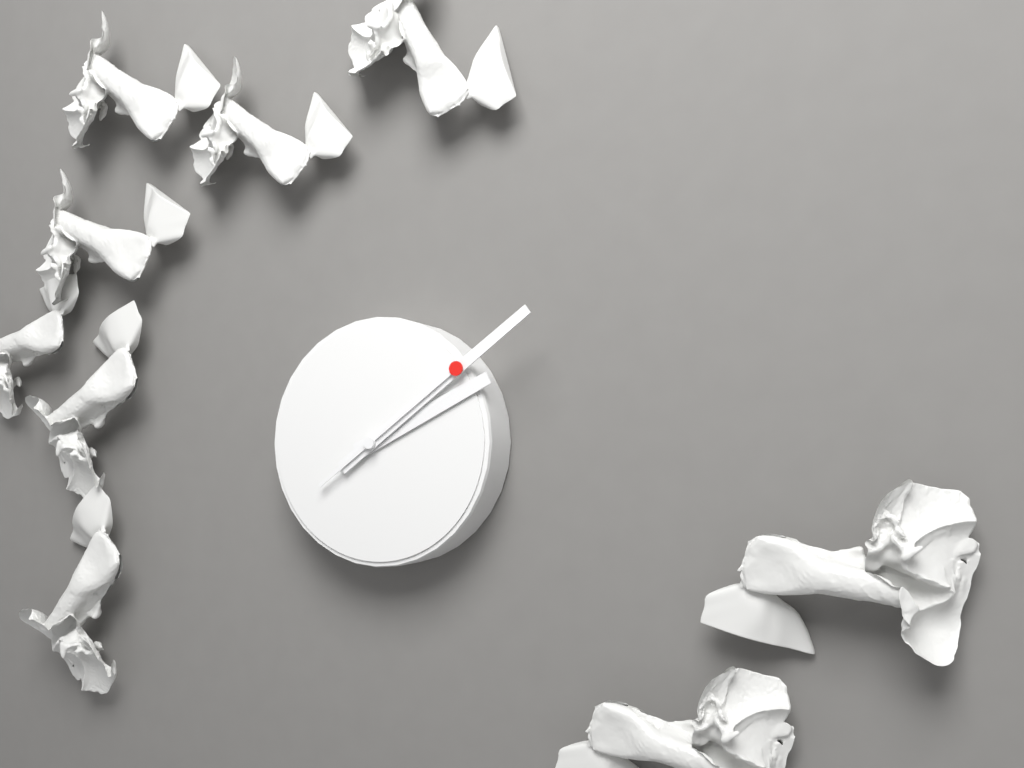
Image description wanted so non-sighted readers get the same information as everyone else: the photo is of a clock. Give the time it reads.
2:09:09
